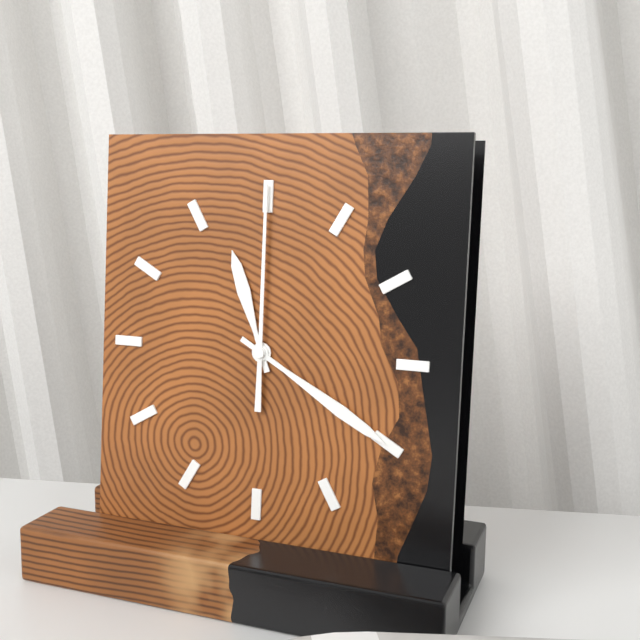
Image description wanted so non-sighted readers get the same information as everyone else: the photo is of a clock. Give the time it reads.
11:20:00
